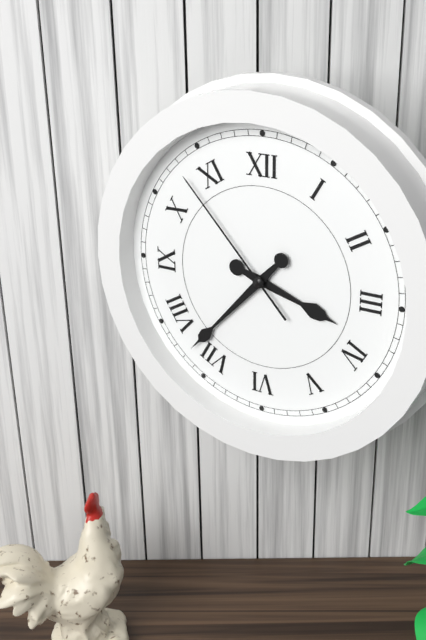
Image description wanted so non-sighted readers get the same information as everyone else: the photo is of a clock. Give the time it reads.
3:37:53
